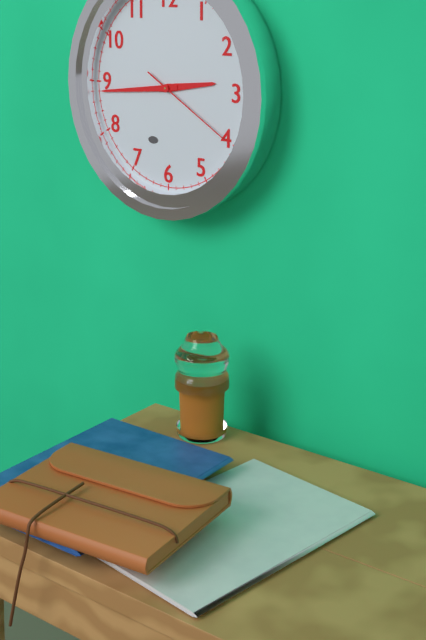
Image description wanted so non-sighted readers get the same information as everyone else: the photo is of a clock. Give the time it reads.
2:44:20
